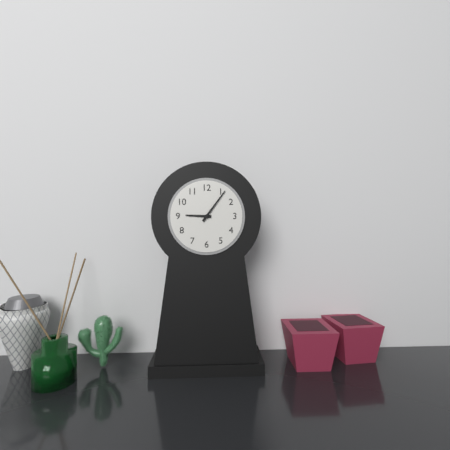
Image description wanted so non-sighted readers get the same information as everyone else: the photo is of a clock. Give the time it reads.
9:06
